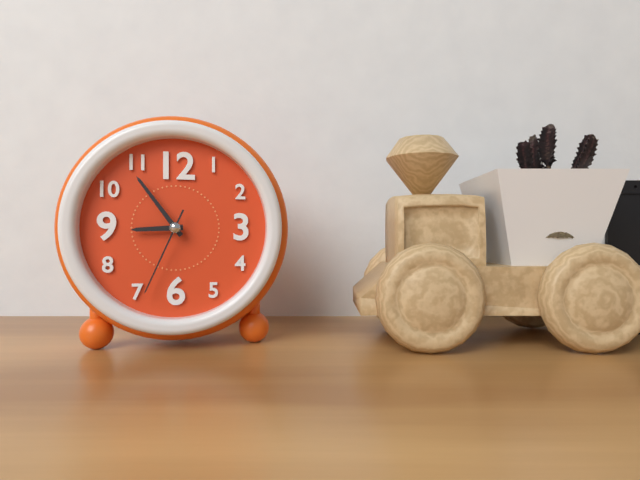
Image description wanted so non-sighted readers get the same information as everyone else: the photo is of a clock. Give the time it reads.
8:54:34
